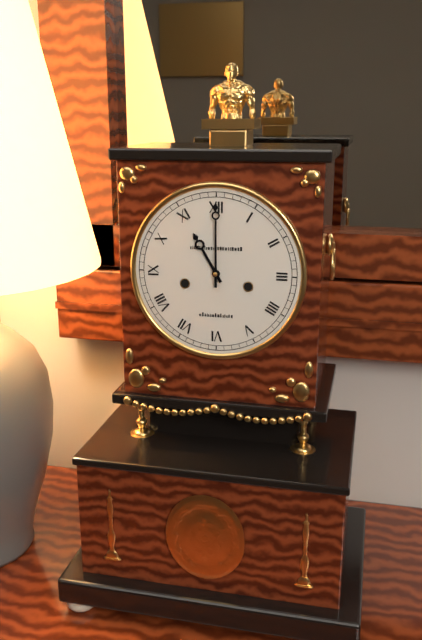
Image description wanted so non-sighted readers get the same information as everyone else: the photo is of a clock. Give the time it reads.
11:00
